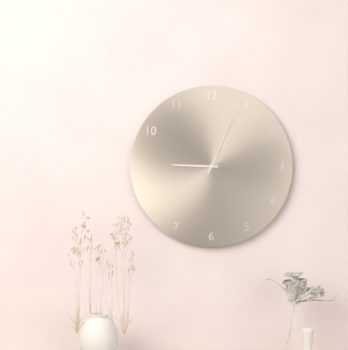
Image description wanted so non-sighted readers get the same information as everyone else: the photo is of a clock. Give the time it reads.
9:04
